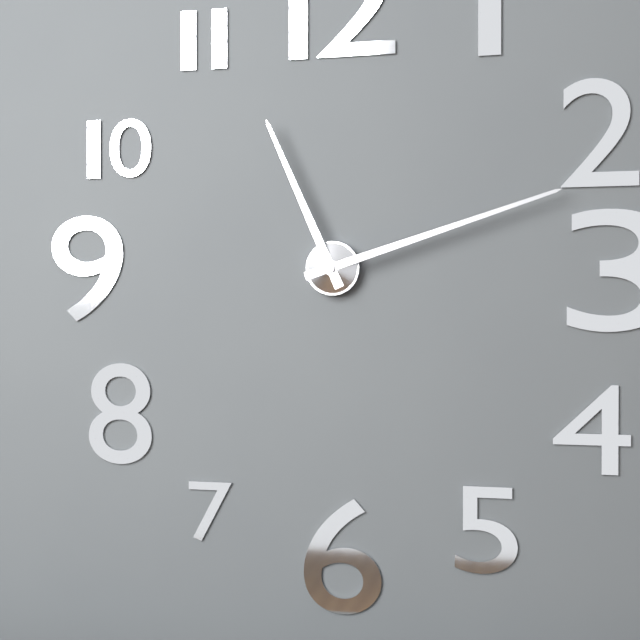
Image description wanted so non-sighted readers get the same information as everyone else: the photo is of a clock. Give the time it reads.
11:12
